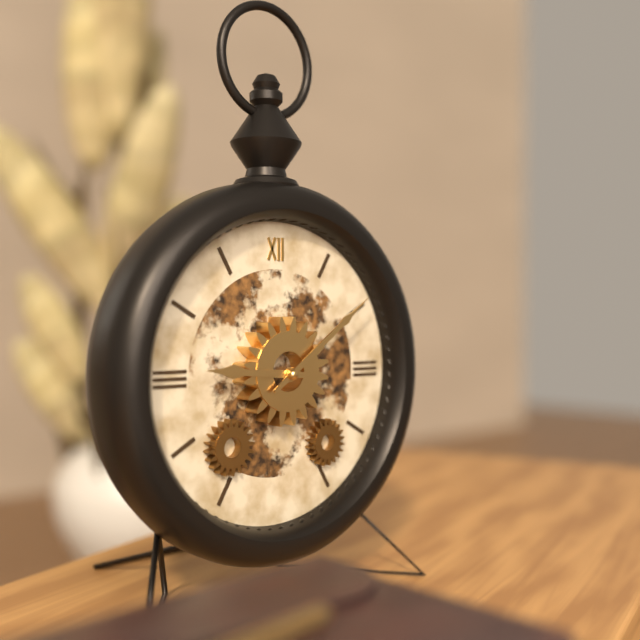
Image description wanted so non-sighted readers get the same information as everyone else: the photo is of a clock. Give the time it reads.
9:09
